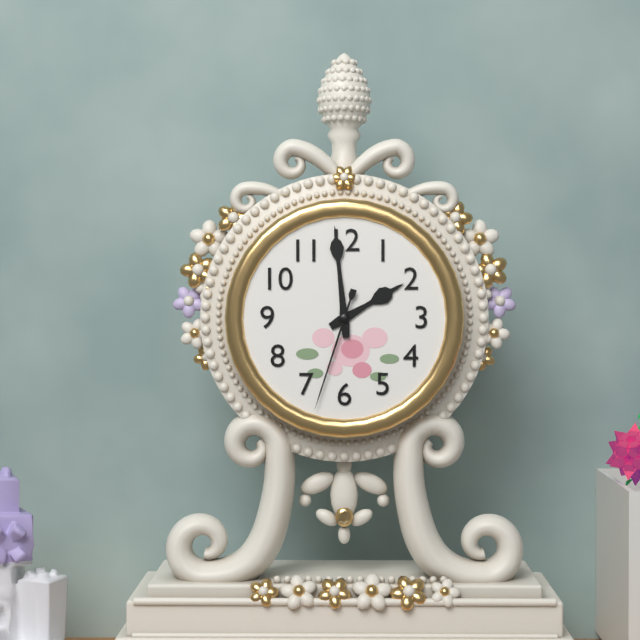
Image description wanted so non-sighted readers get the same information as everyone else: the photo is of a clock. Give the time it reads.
1:59:33
